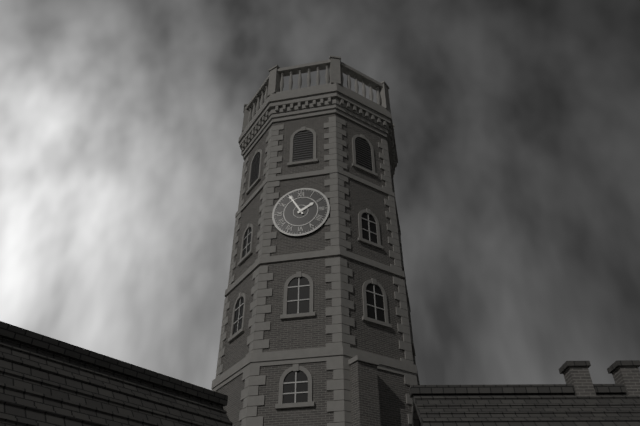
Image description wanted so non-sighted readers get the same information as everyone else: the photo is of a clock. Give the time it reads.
1:55
